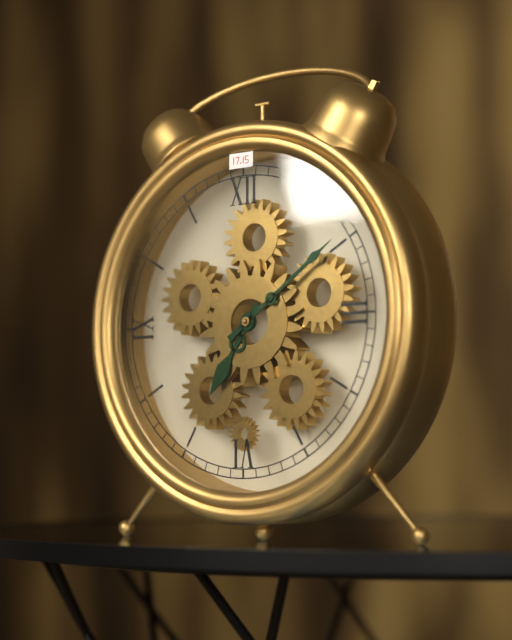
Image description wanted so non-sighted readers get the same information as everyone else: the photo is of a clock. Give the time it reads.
7:09
